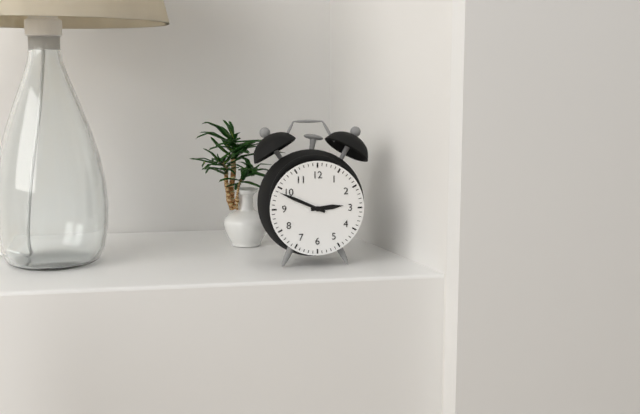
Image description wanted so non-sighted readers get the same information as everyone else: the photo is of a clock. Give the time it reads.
2:49
